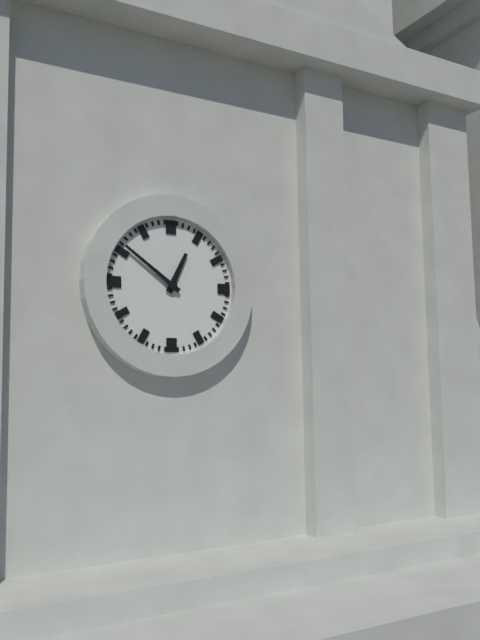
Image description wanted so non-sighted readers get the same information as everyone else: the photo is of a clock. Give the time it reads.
12:51
